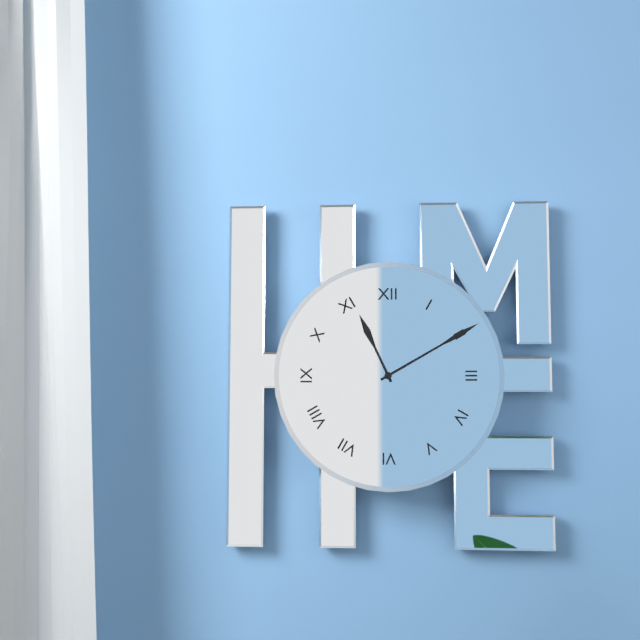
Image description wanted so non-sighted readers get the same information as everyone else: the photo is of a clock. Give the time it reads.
11:10
